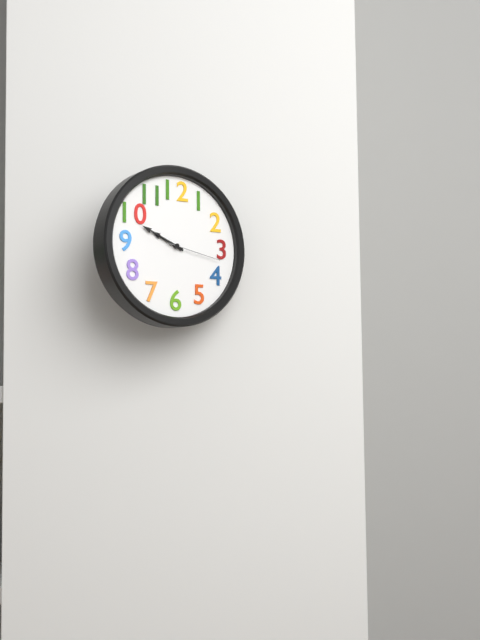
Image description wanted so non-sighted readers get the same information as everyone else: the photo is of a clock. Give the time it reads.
9:49:17
